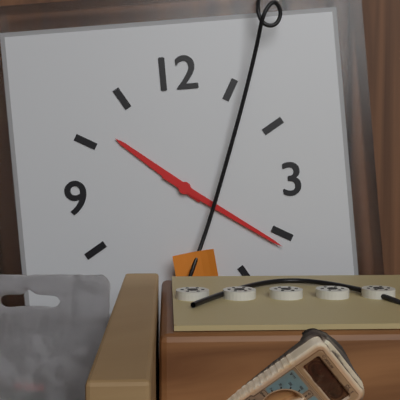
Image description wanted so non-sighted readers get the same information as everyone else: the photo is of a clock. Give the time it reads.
10:21
